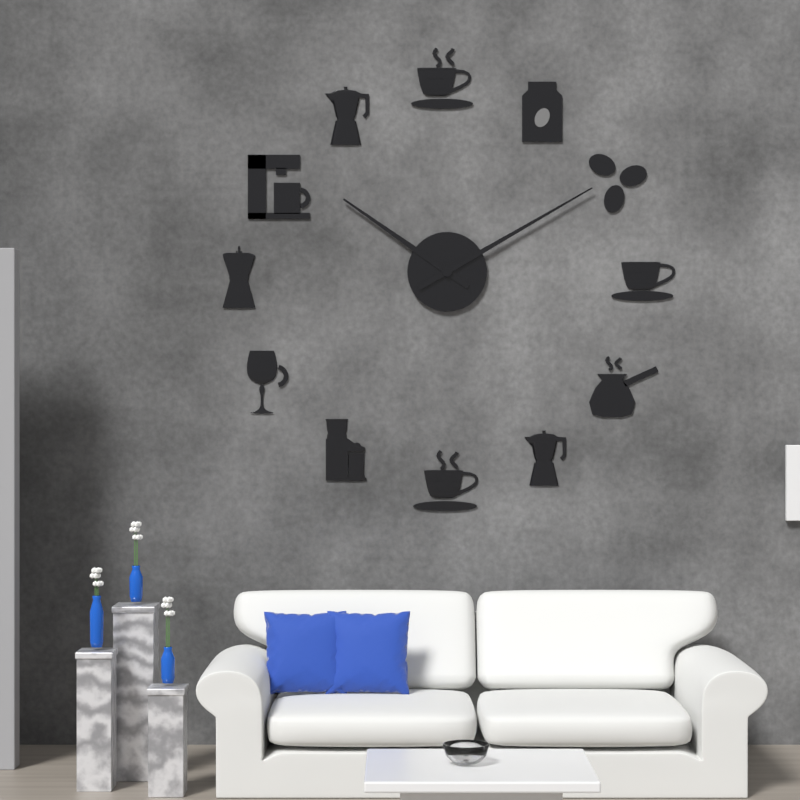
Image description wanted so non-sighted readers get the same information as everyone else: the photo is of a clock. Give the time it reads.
10:10
